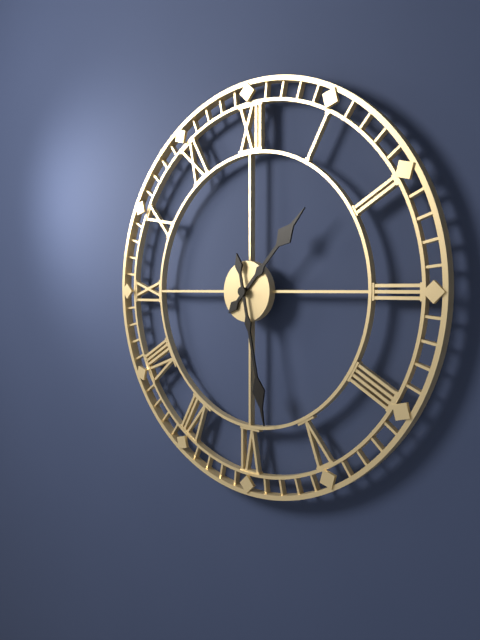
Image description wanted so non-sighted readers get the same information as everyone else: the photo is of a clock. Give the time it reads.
1:28
